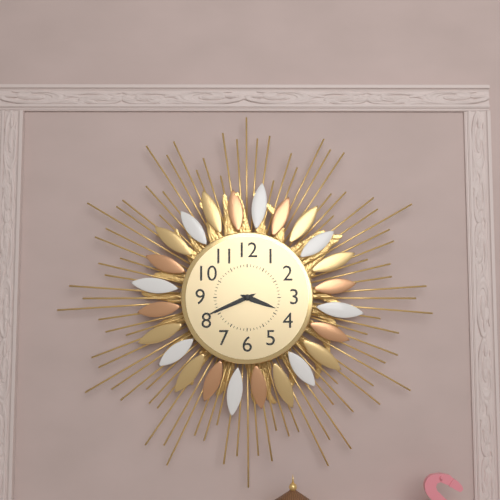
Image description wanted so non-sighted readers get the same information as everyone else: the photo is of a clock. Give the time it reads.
3:41
